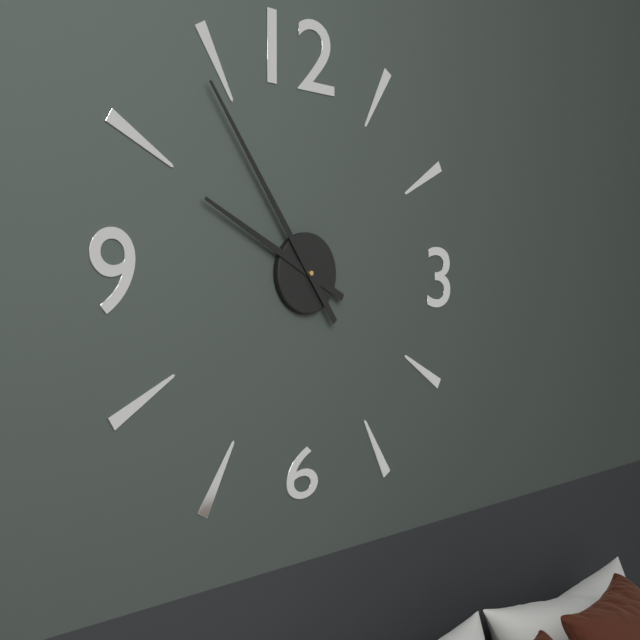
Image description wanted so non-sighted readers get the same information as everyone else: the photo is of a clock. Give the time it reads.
9:54
